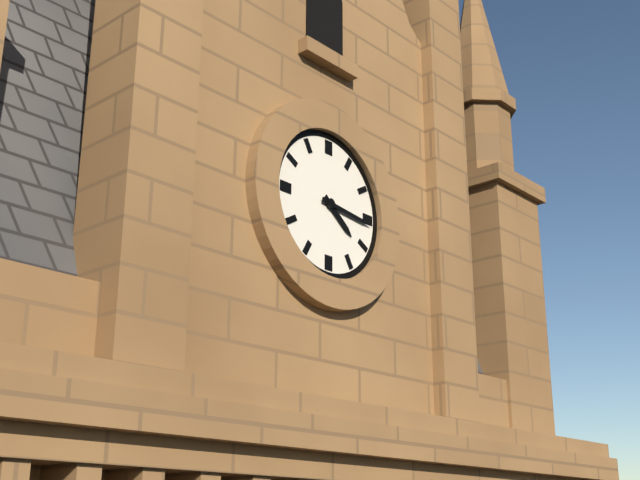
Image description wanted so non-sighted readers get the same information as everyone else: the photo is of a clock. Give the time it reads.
4:16
